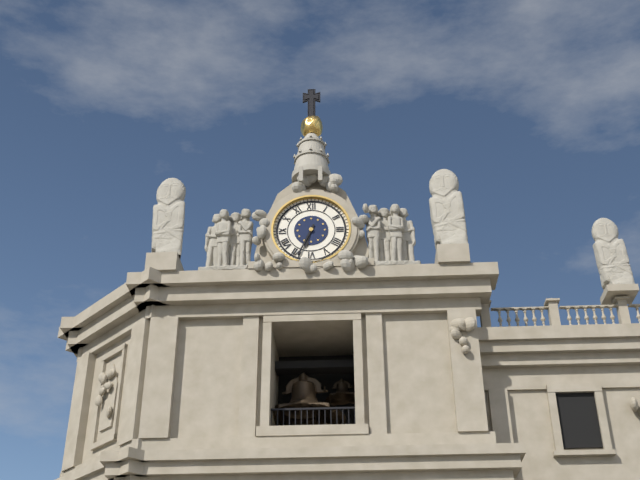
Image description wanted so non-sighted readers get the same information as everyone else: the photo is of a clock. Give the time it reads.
6:34
